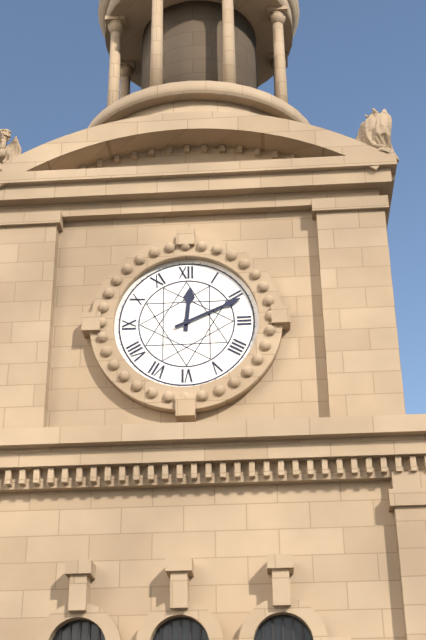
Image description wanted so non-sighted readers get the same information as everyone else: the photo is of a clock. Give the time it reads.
12:11
